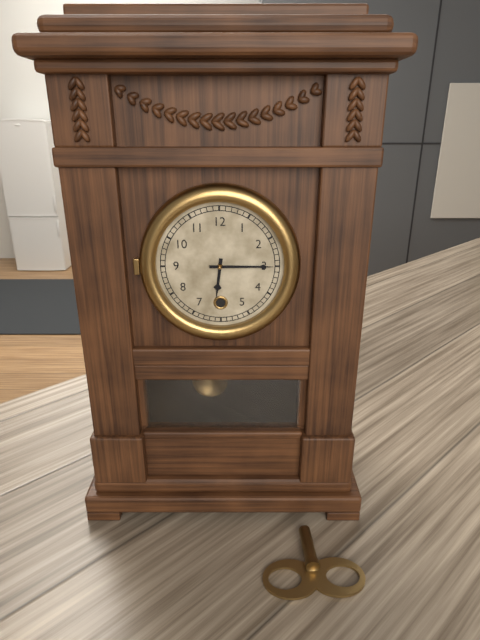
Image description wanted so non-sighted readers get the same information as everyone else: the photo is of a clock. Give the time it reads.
6:15
